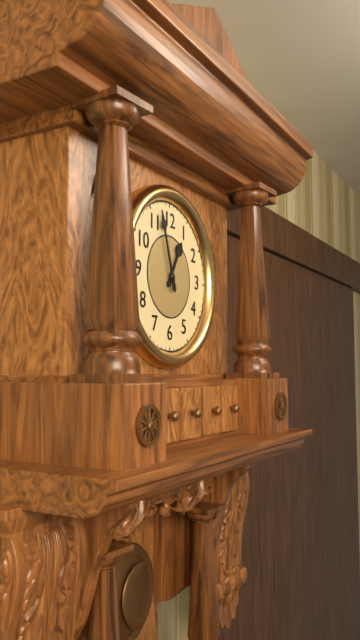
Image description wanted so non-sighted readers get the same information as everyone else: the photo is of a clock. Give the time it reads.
12:57
